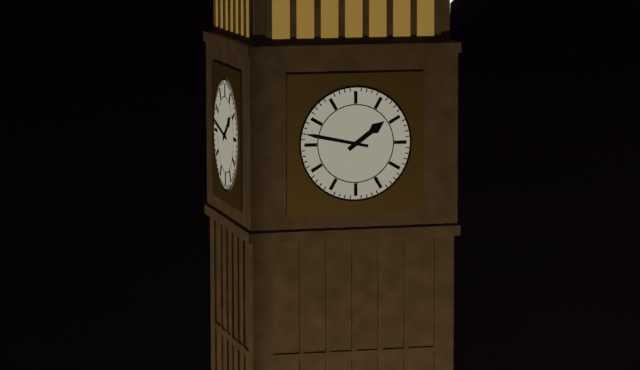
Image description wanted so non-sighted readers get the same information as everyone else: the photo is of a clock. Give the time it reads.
1:47
